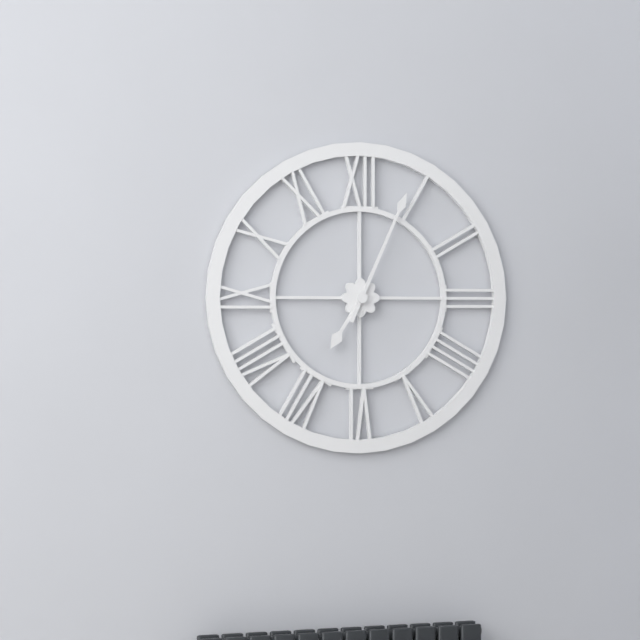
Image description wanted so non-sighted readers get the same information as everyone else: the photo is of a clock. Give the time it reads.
7:04
